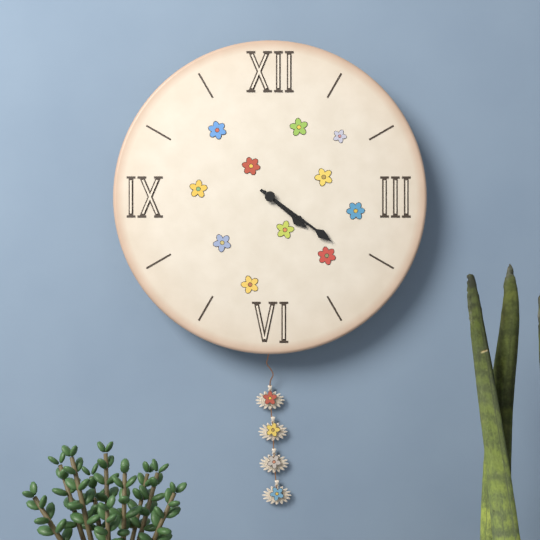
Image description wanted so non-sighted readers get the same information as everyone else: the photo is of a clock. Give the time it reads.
4:21
